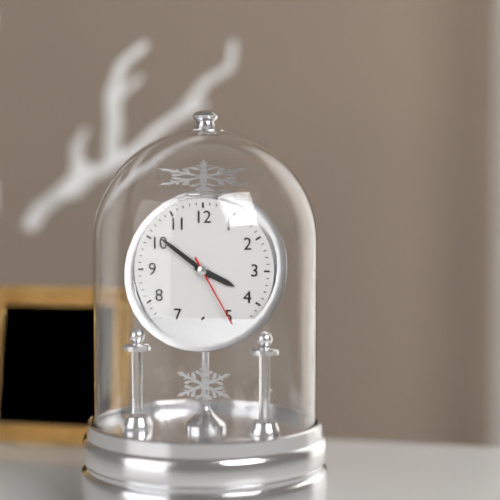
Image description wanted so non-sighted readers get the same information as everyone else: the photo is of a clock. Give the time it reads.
3:51:25
